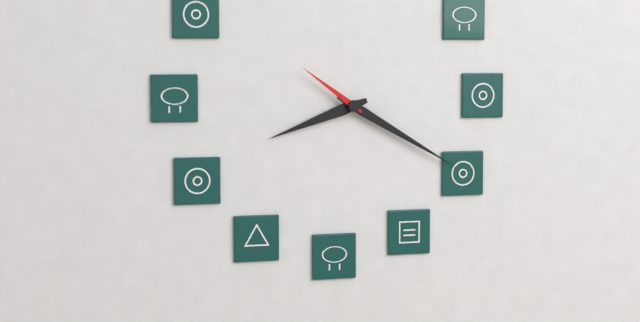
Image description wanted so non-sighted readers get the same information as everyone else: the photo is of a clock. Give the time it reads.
8:20:51
